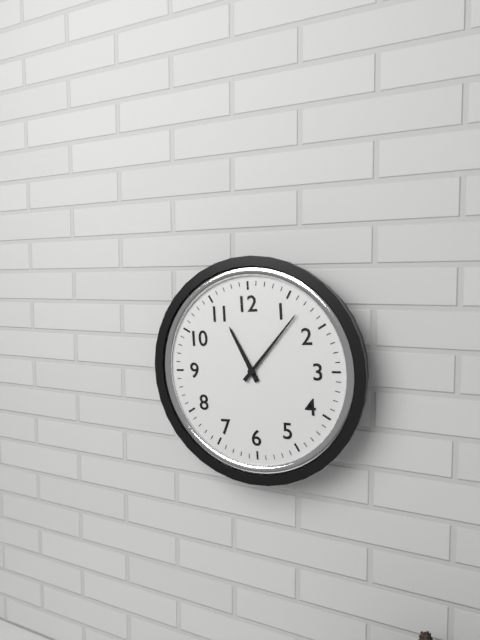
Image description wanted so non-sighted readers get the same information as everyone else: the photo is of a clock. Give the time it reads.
11:07
